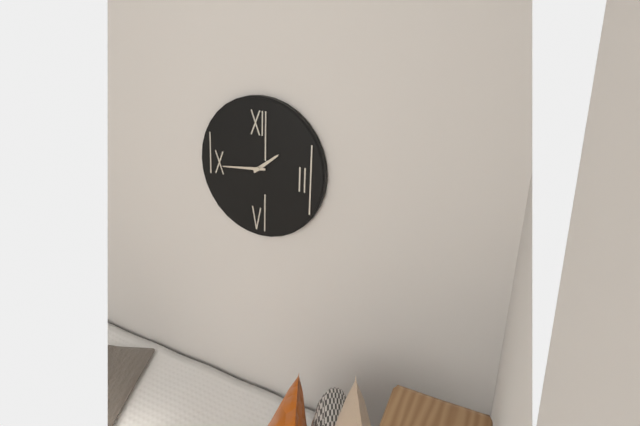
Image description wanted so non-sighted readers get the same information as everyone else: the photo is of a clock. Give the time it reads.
1:44
